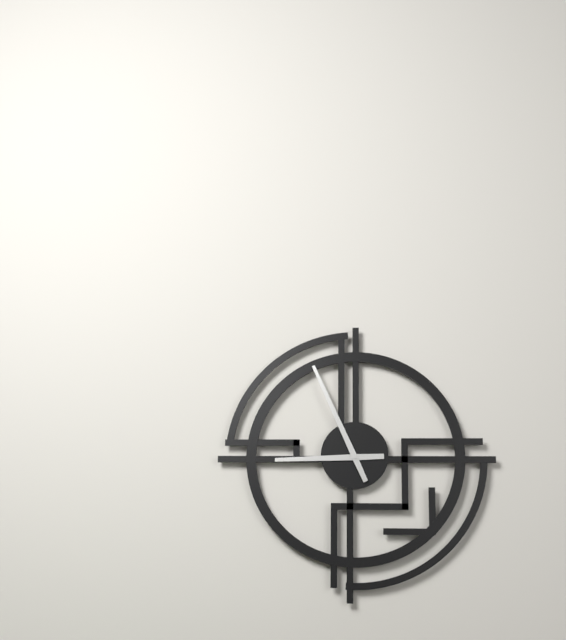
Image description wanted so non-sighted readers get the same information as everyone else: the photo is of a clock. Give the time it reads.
8:56
